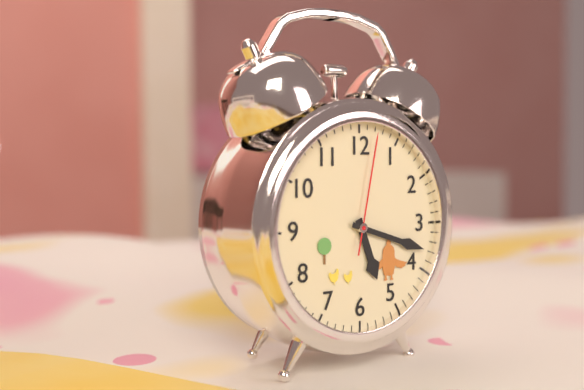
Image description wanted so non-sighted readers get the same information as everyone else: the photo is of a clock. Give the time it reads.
5:18:02
